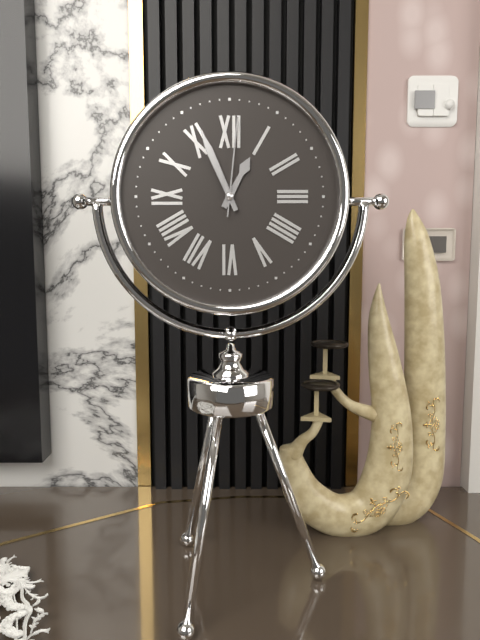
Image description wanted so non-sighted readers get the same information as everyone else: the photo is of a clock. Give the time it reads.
12:56:01
